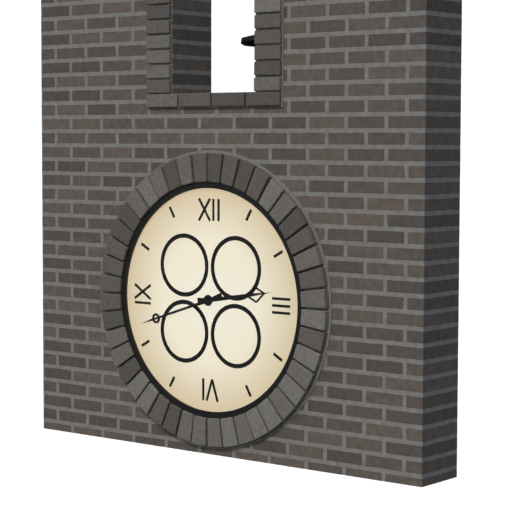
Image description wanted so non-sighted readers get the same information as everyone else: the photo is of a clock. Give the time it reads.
2:42
